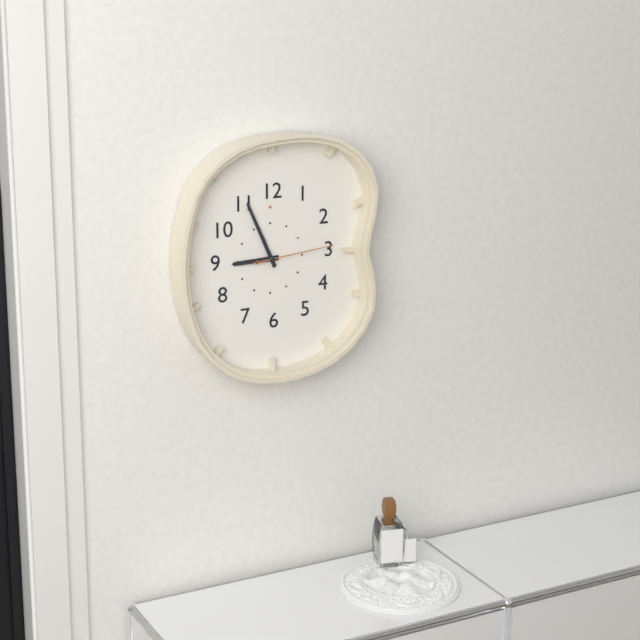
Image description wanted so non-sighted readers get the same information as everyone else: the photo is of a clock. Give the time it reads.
8:56:14
